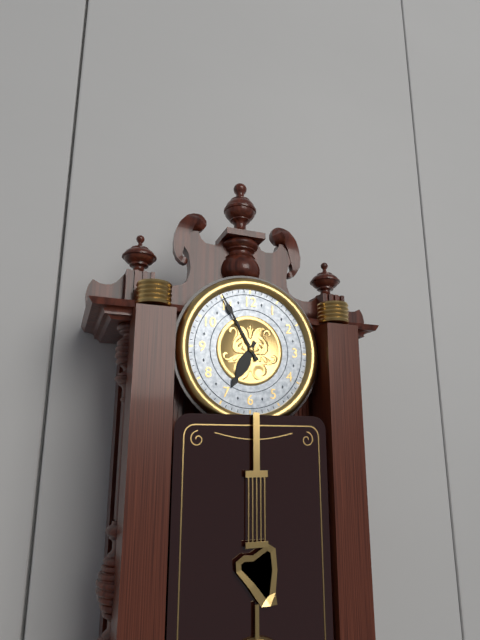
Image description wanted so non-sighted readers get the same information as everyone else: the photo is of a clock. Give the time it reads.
6:55
